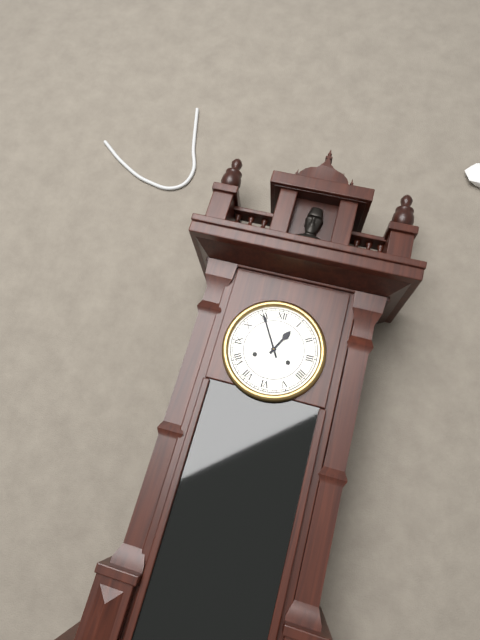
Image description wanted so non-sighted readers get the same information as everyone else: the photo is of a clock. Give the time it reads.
12:55
